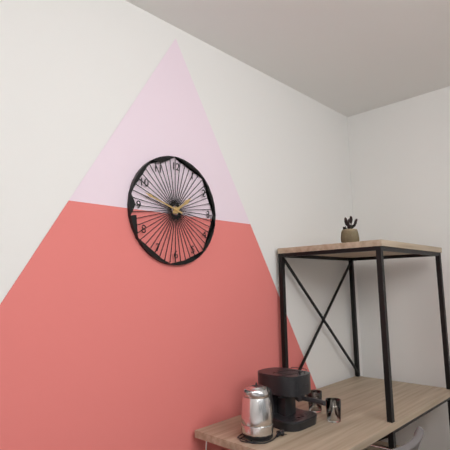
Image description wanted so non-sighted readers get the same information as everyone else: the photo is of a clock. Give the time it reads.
1:48
